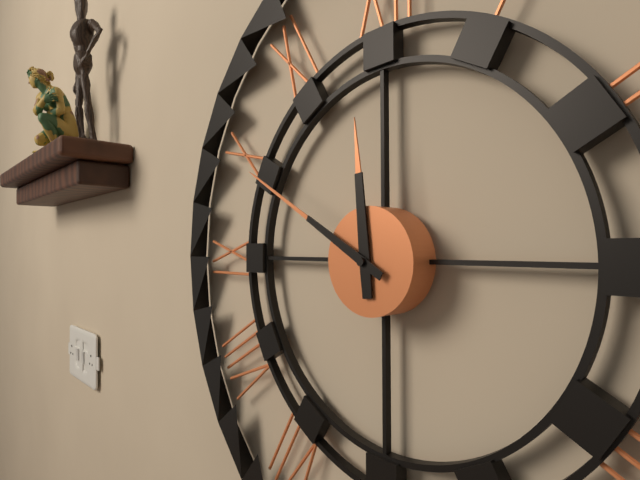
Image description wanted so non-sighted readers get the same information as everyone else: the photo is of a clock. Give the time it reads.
11:50
